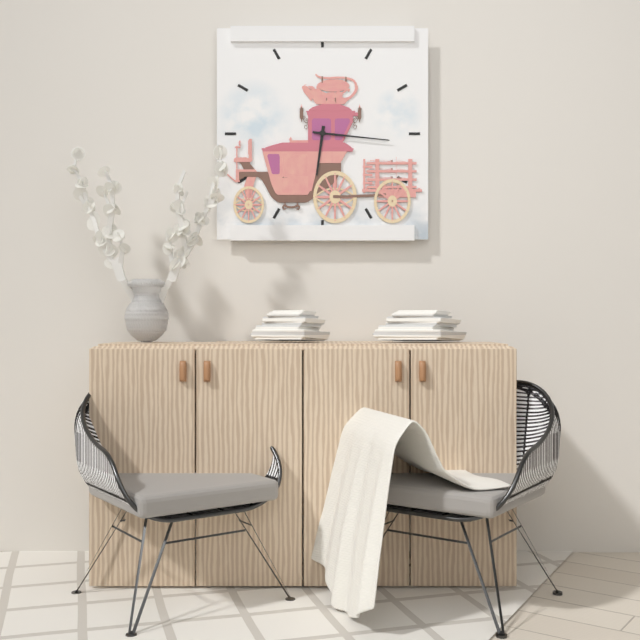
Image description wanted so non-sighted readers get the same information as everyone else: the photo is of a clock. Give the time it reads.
6:16
